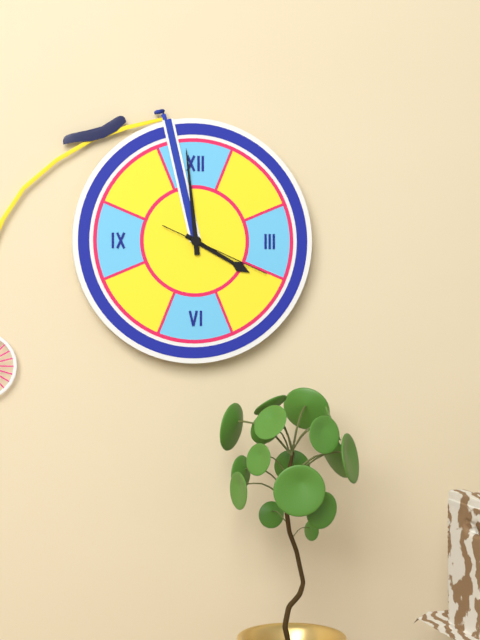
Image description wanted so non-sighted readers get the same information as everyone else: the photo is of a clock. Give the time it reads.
3:59:19
